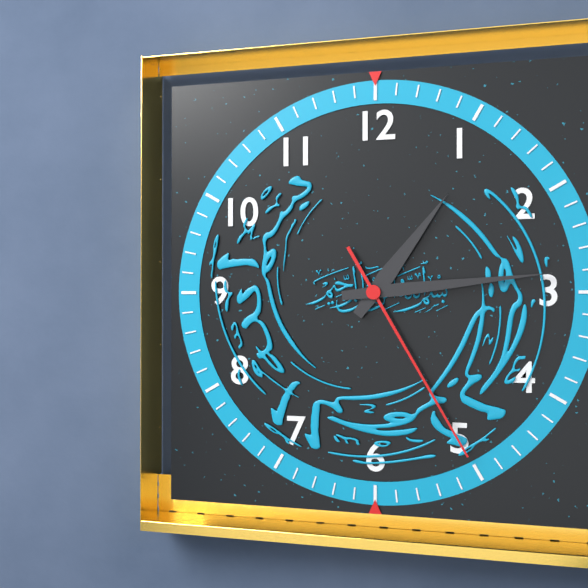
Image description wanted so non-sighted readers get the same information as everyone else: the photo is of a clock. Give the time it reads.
1:14:25
